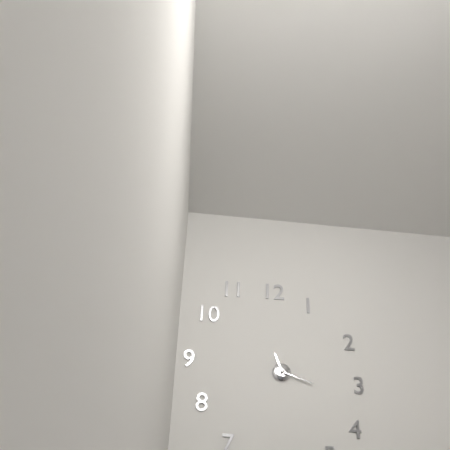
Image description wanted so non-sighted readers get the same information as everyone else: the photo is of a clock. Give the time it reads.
11:18
